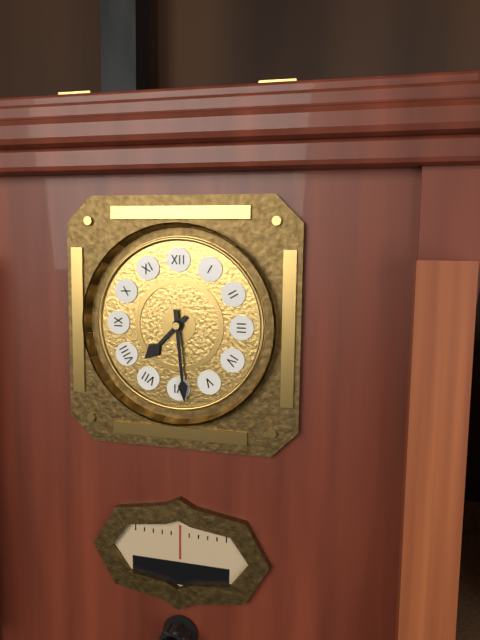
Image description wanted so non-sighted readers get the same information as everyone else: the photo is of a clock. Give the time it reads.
7:29
